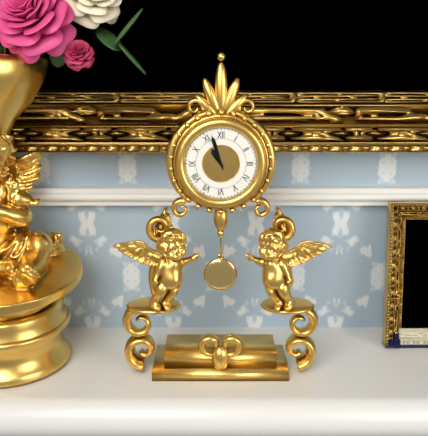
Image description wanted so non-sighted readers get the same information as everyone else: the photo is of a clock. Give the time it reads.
10:57
